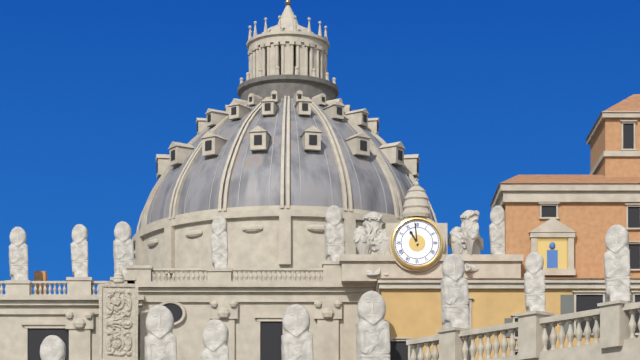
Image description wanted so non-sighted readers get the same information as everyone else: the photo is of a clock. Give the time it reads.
10:59
